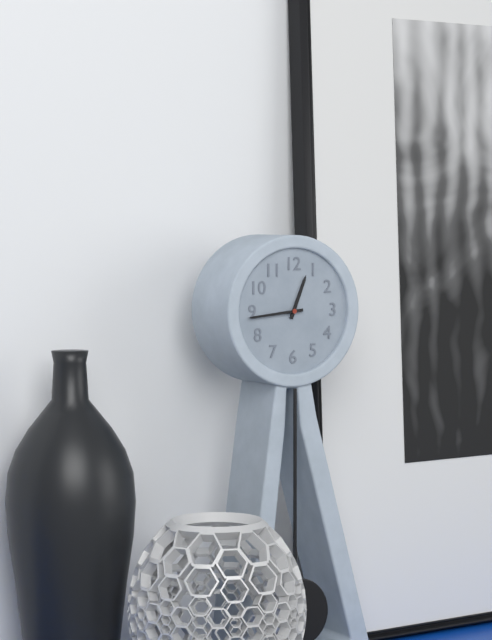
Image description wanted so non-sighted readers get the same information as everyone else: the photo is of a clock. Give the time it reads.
12:44
